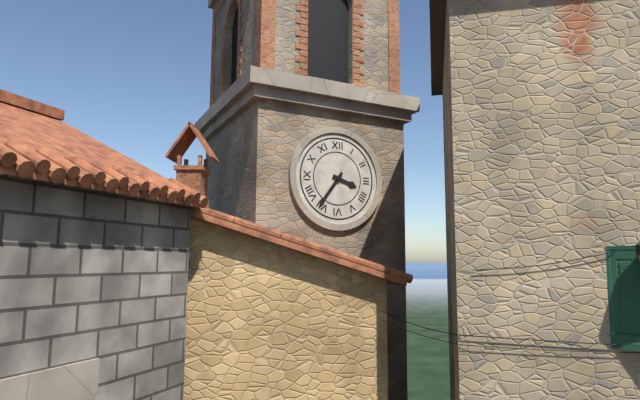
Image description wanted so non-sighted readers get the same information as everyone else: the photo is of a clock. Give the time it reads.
3:36
